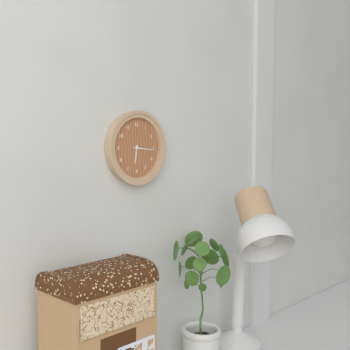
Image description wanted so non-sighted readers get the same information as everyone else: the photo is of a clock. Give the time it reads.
6:16
